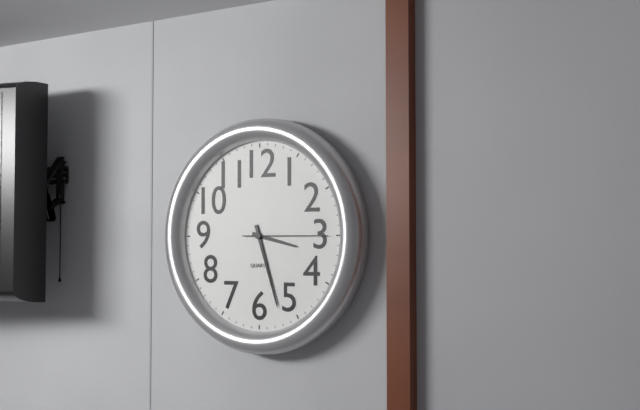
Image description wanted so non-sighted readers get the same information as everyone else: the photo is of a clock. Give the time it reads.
3:27:15
